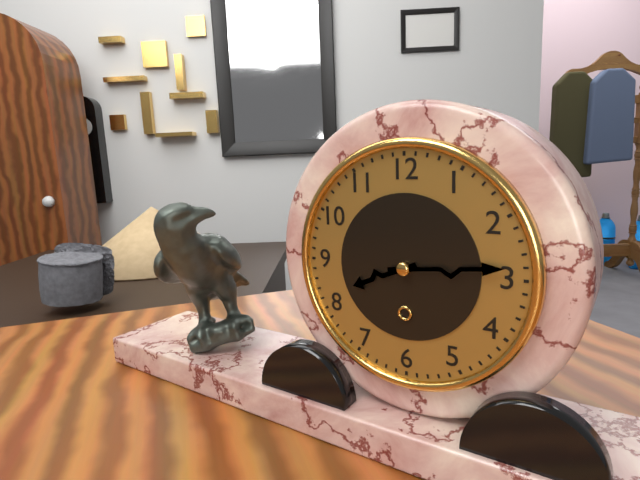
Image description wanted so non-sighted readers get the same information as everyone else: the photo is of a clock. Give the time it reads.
8:14
